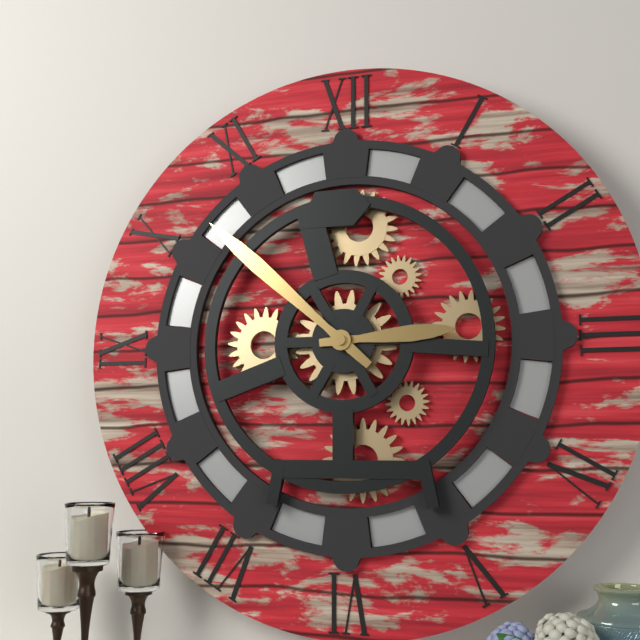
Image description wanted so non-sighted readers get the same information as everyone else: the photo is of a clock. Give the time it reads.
2:52
